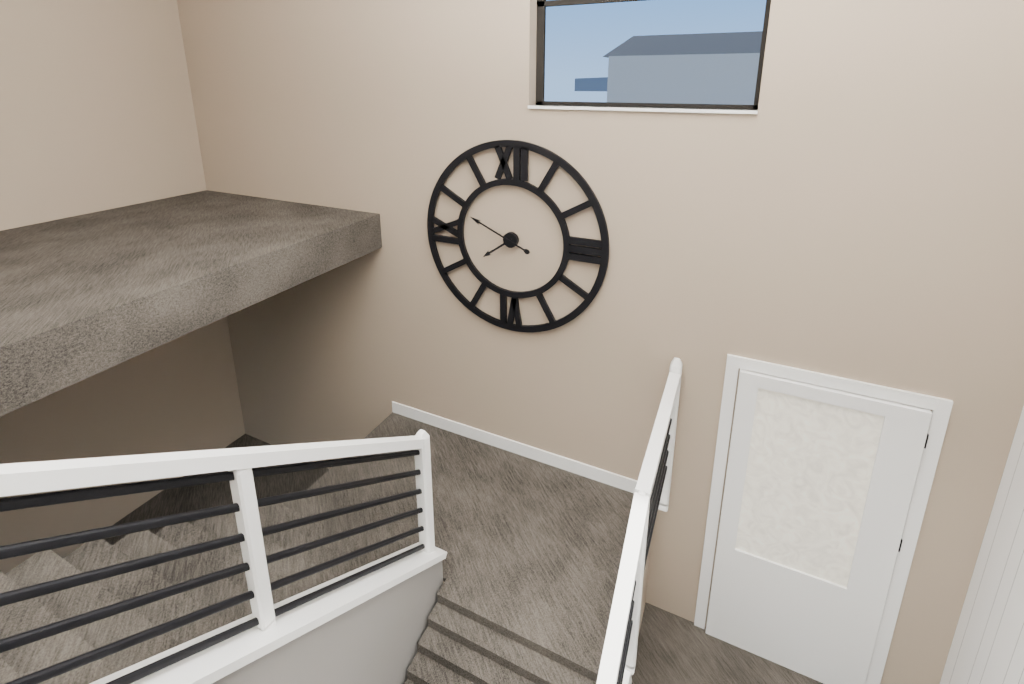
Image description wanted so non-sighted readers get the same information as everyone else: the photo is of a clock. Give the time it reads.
7:49
